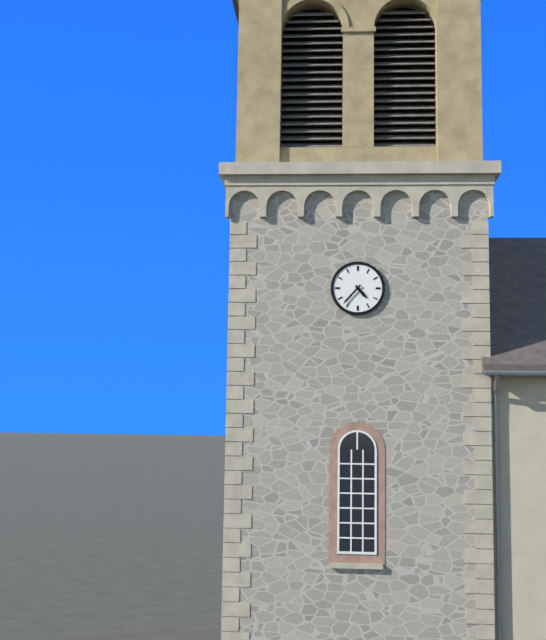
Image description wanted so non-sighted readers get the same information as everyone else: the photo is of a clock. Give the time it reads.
4:37
